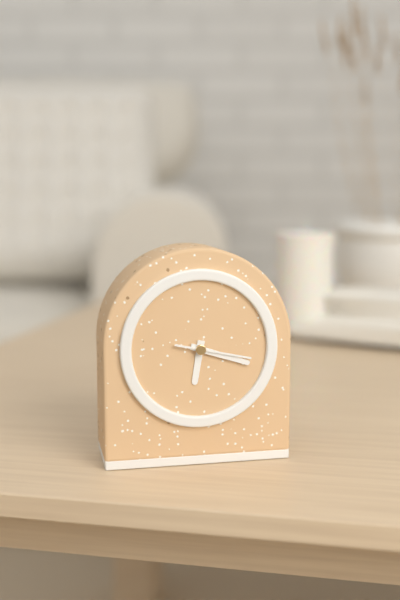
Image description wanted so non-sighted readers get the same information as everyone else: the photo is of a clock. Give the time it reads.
6:18:17
